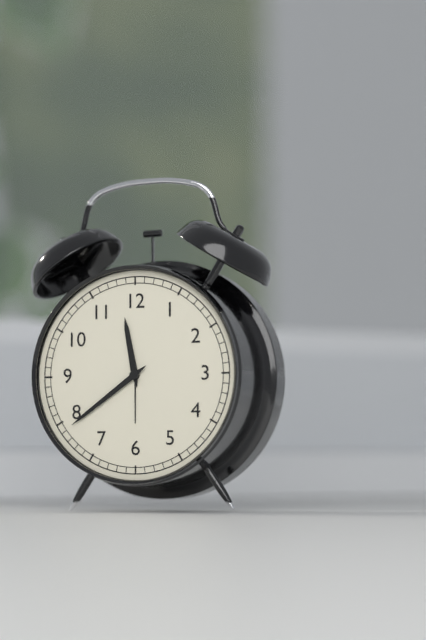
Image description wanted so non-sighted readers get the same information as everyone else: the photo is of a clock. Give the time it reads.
11:39
